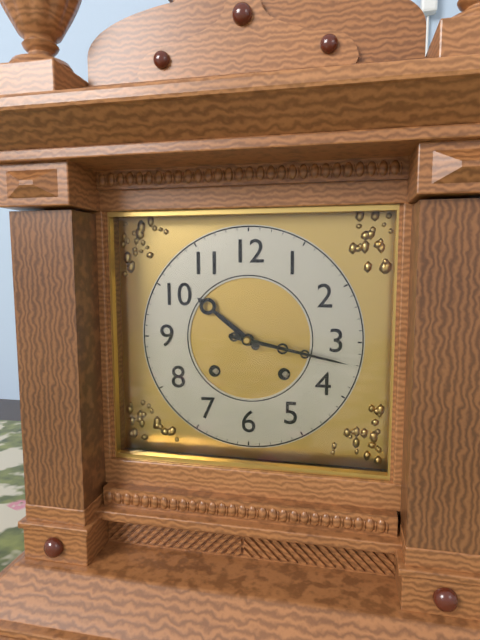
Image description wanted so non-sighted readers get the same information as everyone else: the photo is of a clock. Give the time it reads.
10:17
